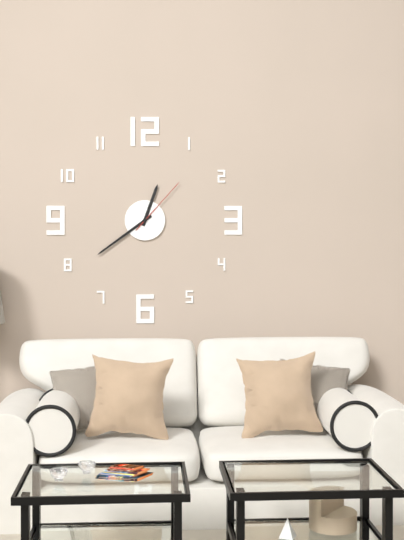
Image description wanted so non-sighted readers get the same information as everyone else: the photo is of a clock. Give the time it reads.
12:39:07
